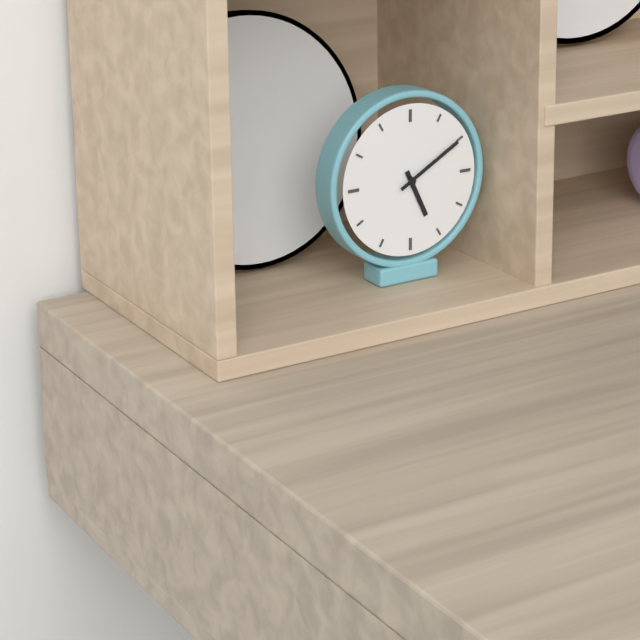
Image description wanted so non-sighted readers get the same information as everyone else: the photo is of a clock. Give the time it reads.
5:10
